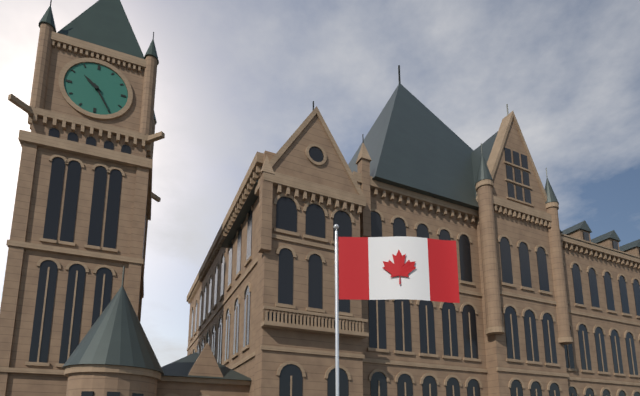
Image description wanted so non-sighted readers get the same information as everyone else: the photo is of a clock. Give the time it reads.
10:25
